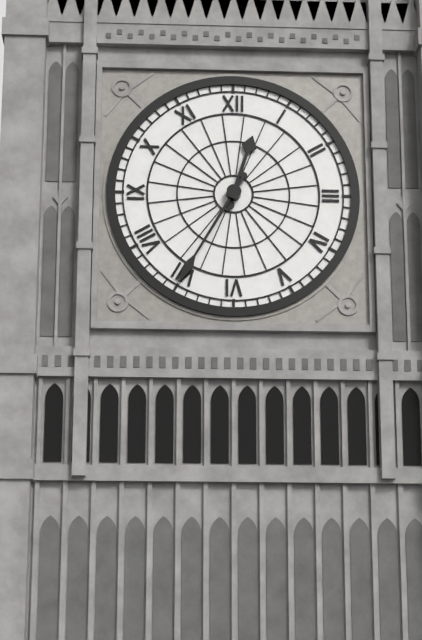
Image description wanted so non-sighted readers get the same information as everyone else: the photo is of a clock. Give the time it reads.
12:35
